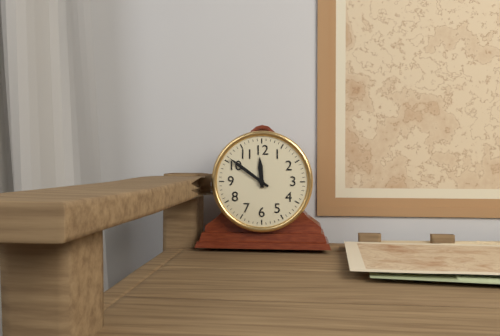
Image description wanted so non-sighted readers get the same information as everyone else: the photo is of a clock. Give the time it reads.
11:51
